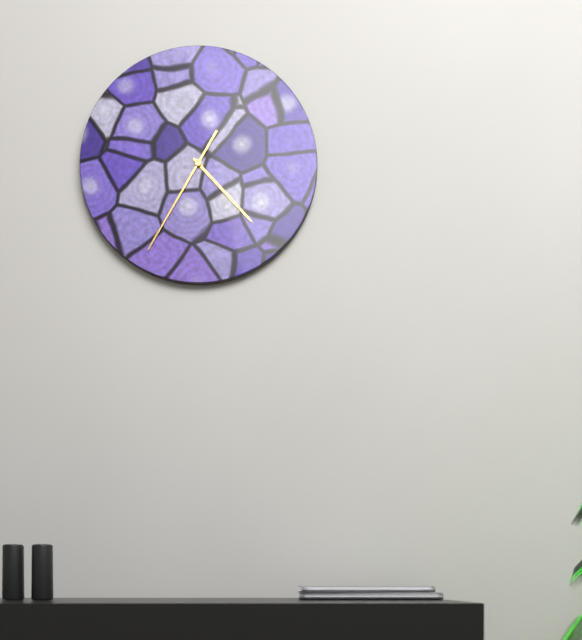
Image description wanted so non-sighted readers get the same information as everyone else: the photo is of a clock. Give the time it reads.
4:35
